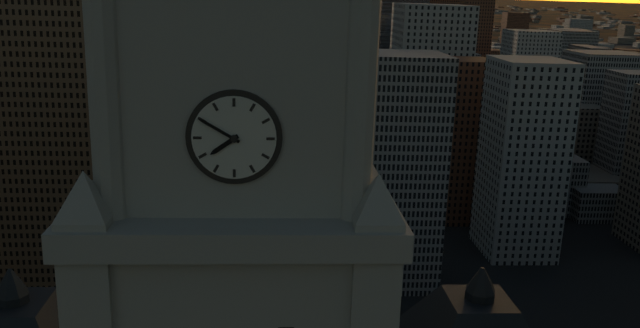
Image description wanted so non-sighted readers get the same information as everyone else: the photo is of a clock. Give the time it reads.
7:50
